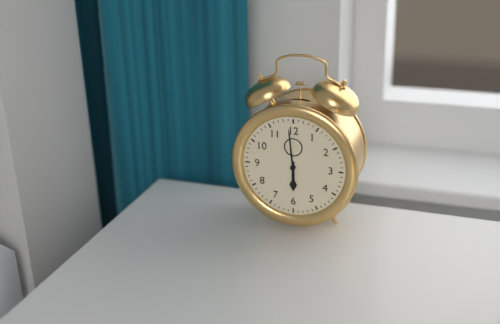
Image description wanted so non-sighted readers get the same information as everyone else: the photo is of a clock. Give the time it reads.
5:59
